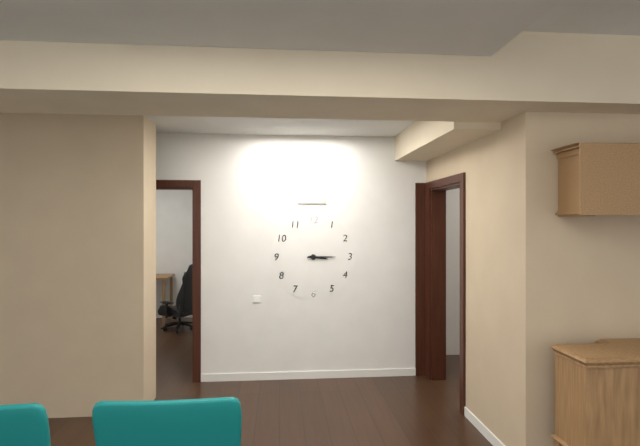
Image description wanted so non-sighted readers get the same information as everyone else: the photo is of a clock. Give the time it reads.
3:15
